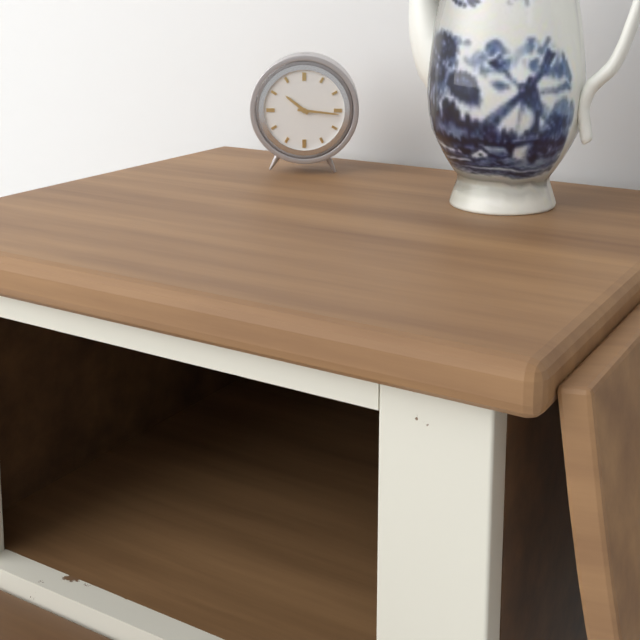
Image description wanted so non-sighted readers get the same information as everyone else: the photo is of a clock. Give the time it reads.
10:16
